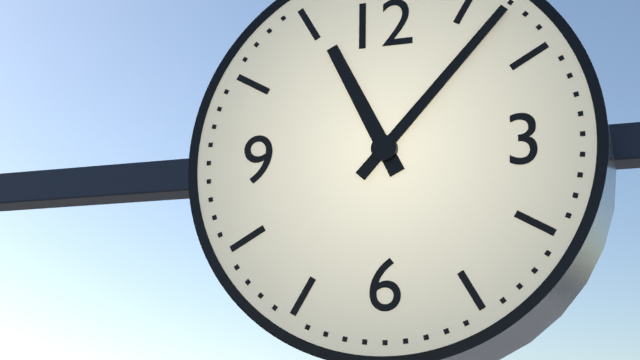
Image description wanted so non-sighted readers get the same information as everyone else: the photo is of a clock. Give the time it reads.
11:07
